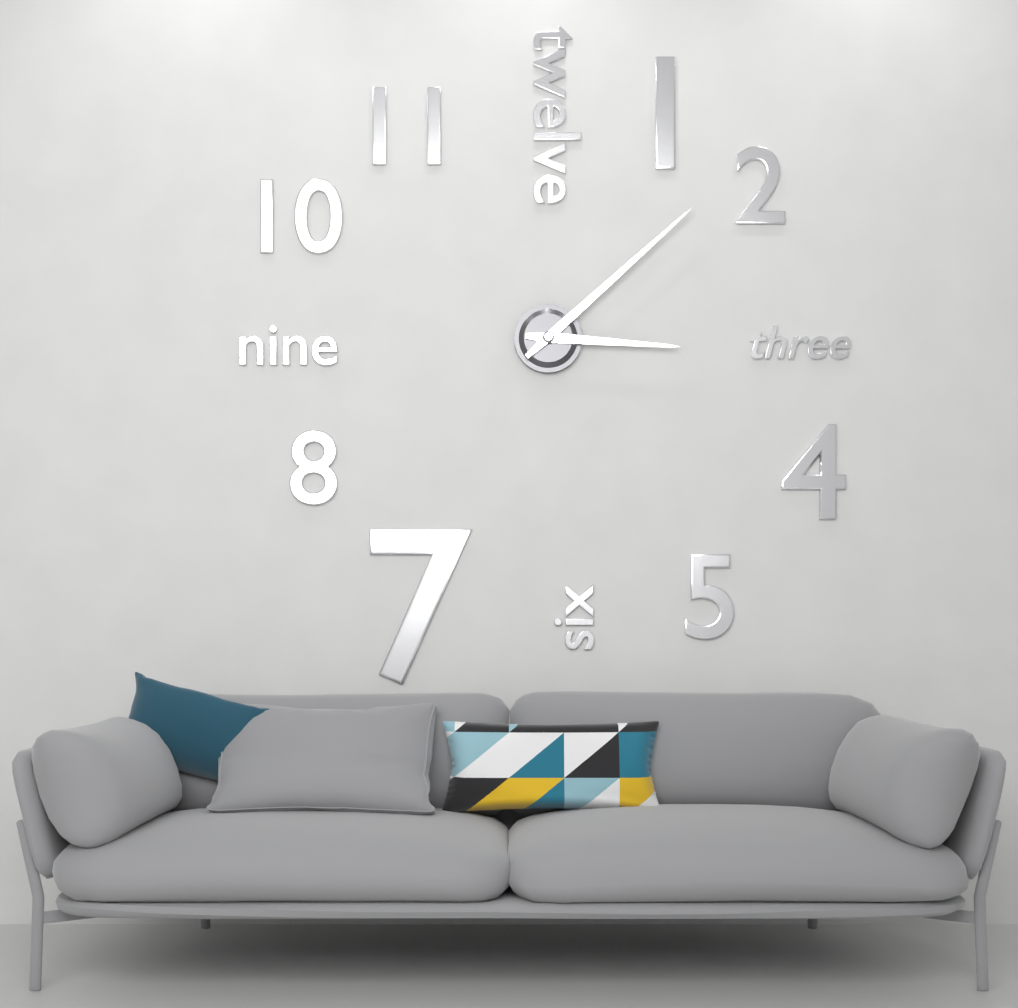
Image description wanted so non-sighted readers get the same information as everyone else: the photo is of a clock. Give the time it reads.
3:08
